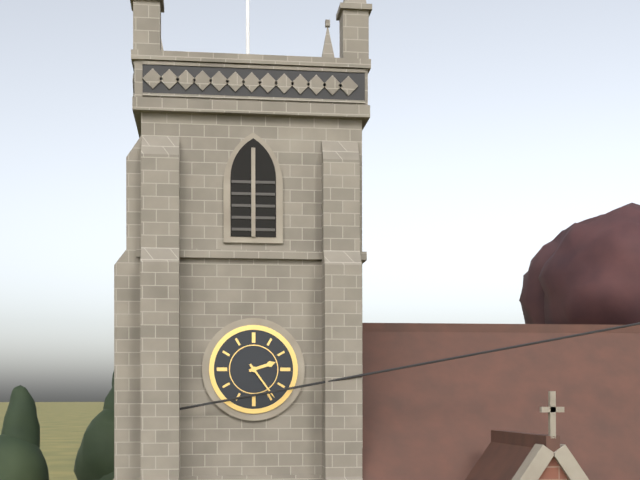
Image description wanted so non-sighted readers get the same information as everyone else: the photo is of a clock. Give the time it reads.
2:24
